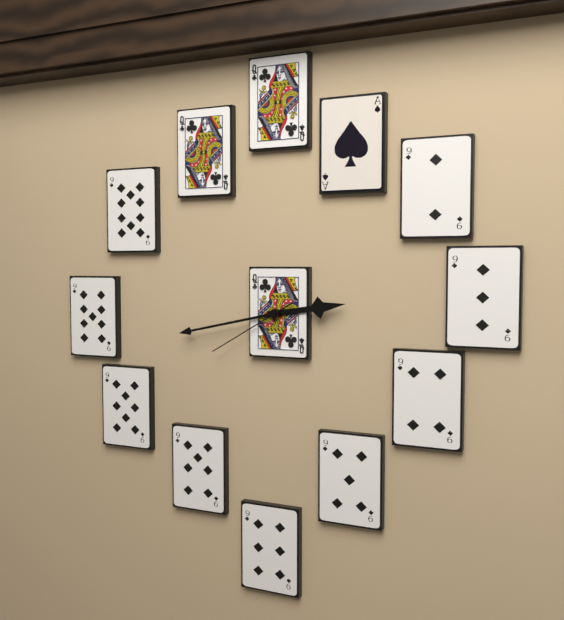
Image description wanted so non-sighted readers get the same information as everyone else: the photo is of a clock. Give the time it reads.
2:43:40
